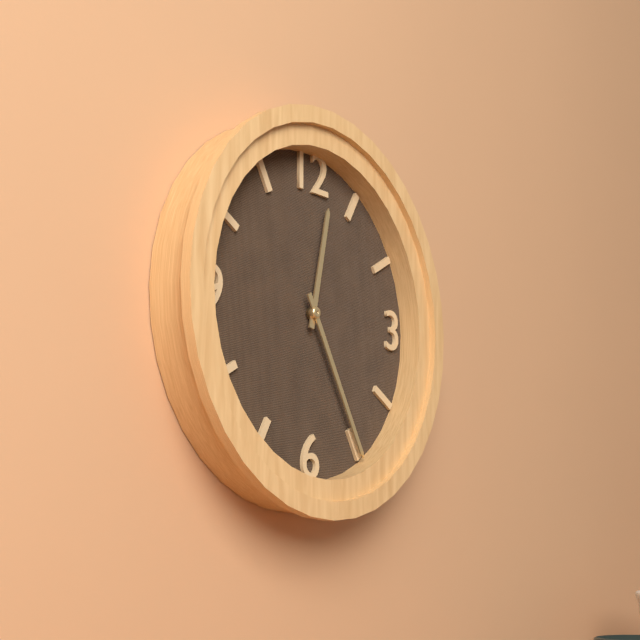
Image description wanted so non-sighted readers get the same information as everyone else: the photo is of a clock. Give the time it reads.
12:25
